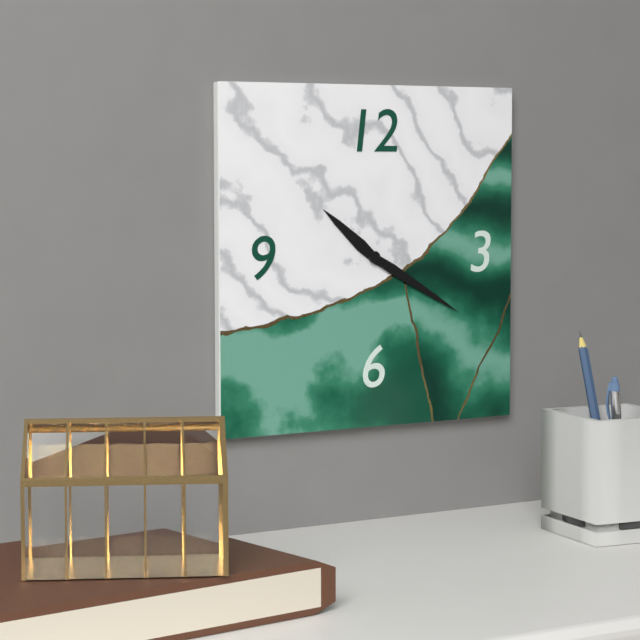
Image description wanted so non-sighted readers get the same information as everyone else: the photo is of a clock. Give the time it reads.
10:20
